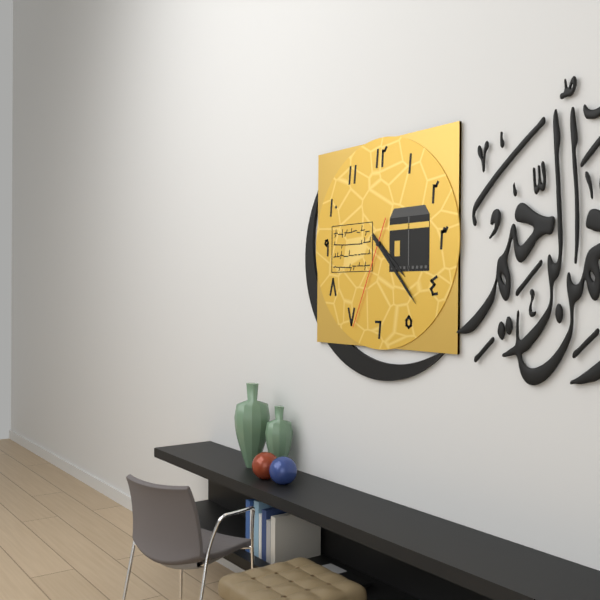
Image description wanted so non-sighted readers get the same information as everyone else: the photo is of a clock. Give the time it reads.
4:23:34
